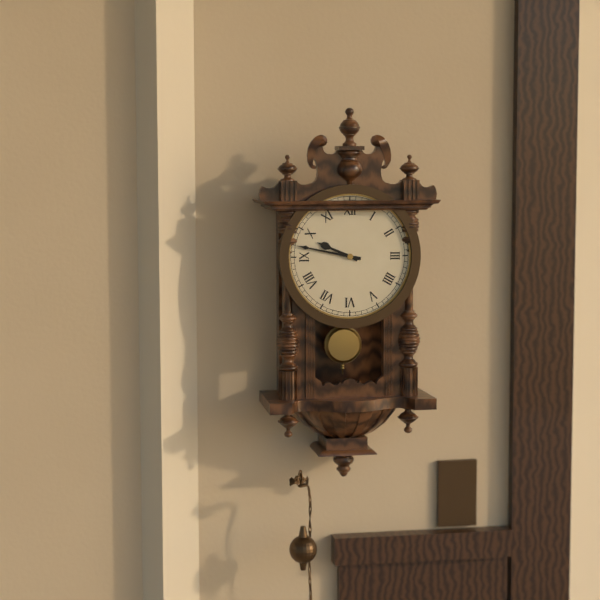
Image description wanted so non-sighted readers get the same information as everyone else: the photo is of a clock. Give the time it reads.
9:47
